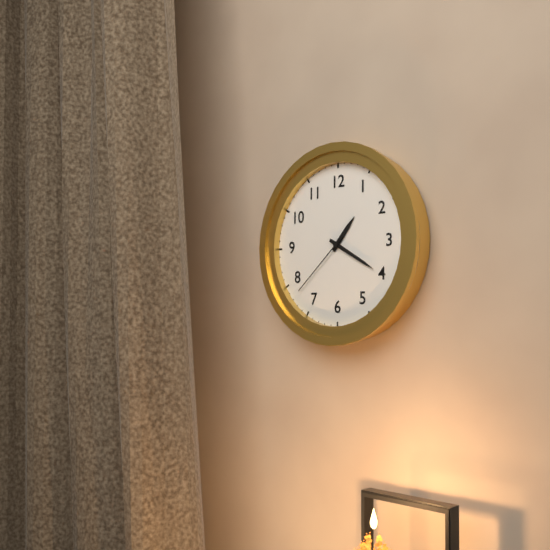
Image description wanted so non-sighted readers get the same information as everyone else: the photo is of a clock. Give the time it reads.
1:20:38
